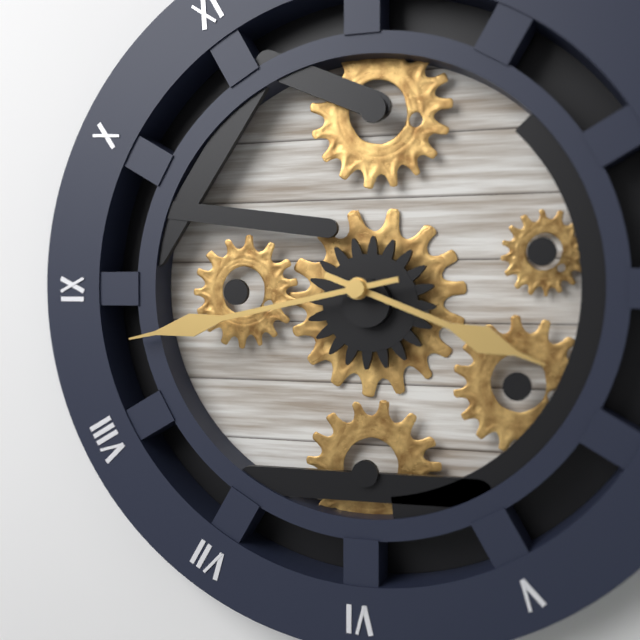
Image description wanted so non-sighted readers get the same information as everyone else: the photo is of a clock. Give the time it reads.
3:43
